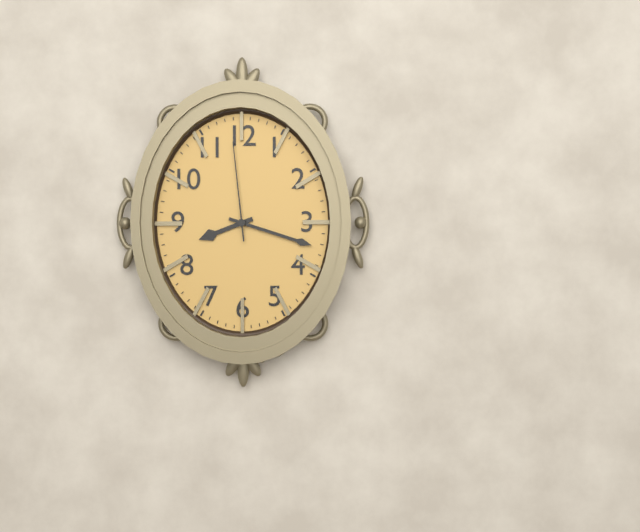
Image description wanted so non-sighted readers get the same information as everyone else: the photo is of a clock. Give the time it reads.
8:18:59
